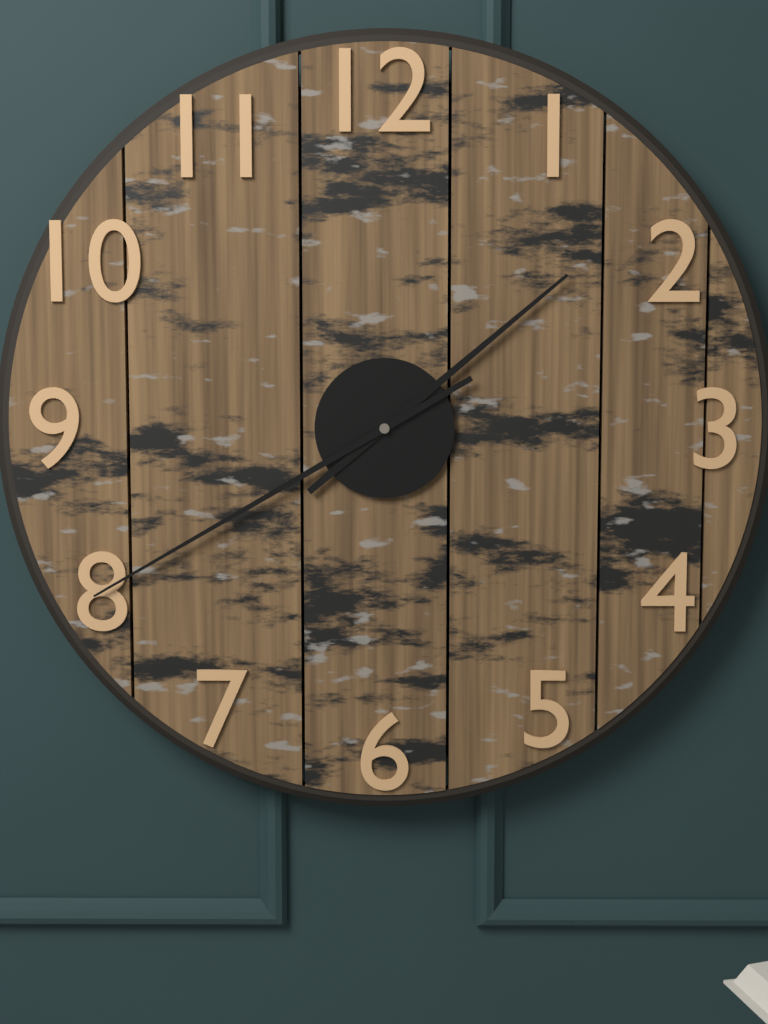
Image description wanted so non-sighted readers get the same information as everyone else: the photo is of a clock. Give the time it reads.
1:40
